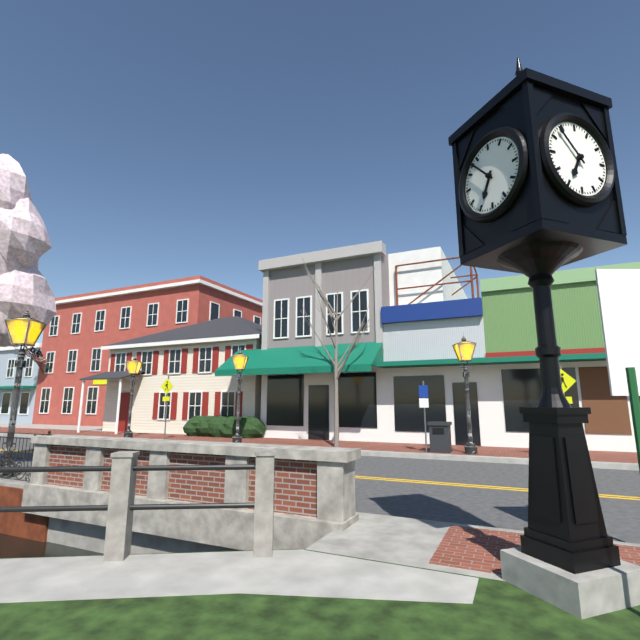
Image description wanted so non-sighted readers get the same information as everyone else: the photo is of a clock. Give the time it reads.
6:53
